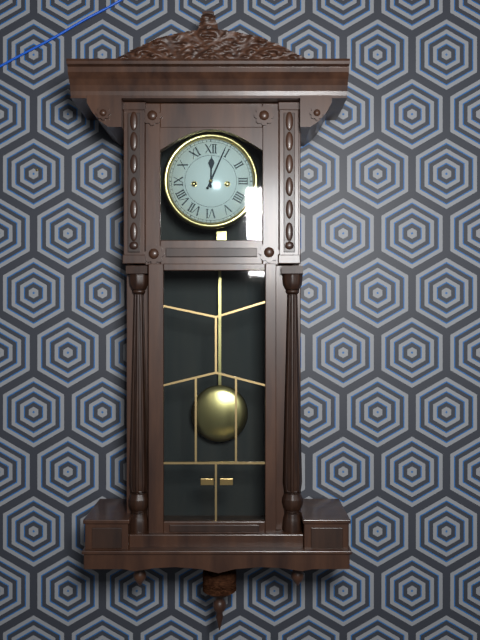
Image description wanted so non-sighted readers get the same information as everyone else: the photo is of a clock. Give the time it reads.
12:04
